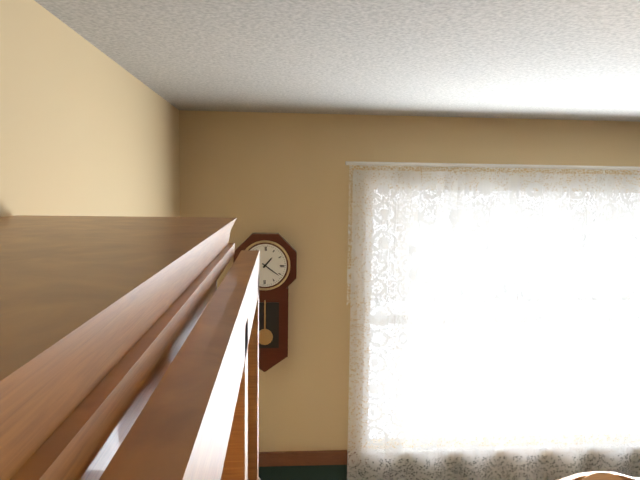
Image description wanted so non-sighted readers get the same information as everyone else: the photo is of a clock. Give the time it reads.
1:21
